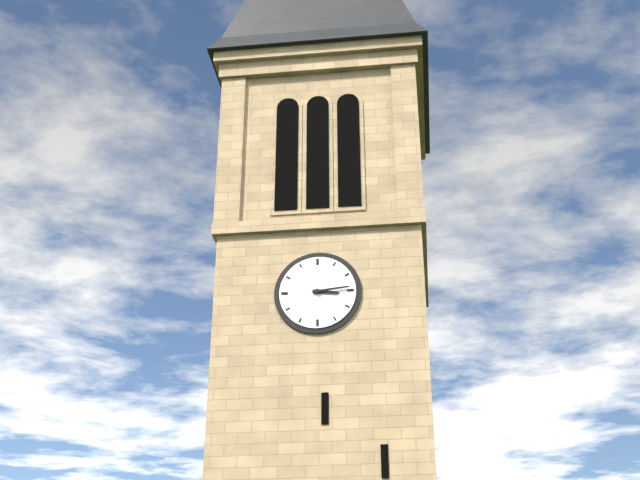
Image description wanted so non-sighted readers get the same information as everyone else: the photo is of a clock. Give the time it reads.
3:14
